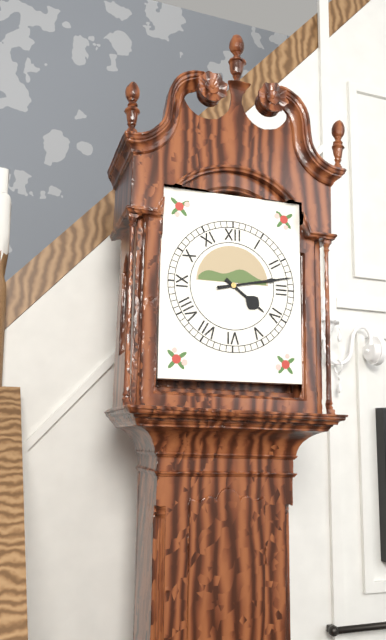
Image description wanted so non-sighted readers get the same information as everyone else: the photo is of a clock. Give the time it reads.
4:13
